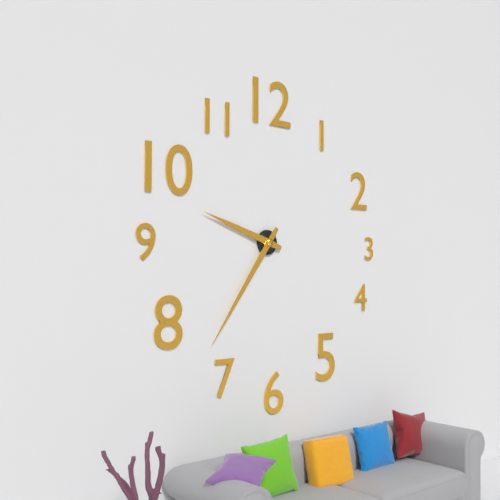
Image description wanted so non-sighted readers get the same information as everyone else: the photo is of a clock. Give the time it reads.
9:36
